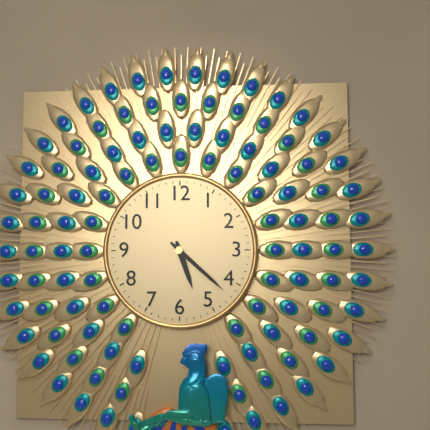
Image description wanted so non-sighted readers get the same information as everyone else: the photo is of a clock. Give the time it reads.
5:22
